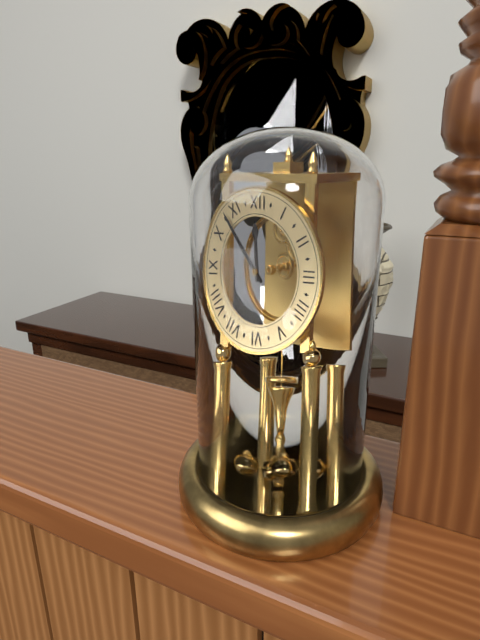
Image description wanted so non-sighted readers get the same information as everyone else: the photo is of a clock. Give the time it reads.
11:53
